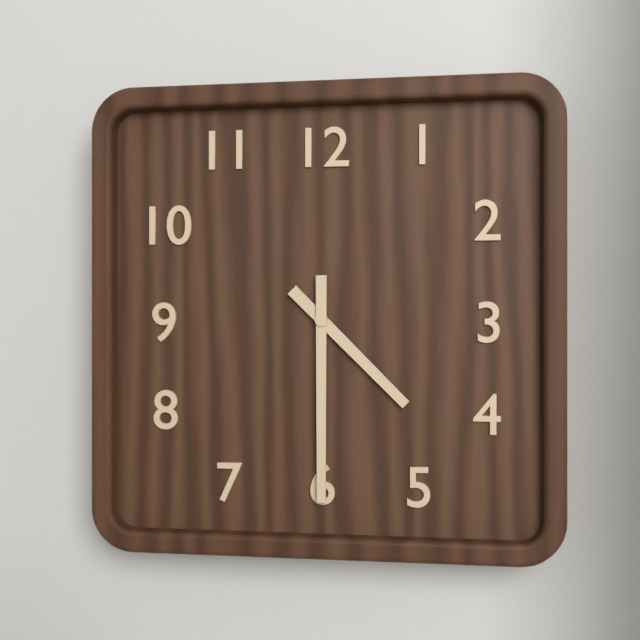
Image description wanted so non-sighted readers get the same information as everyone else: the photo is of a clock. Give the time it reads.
4:30
